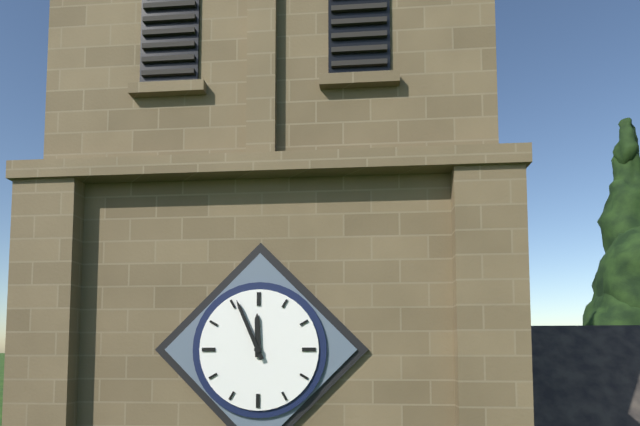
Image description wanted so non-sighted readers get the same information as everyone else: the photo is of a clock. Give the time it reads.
11:56
